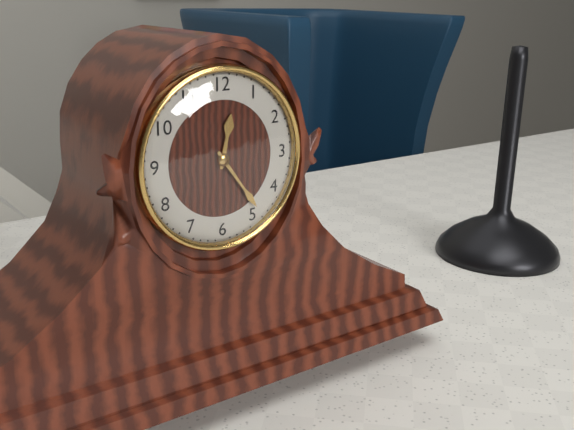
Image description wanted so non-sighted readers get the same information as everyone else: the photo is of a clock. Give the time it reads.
12:24
